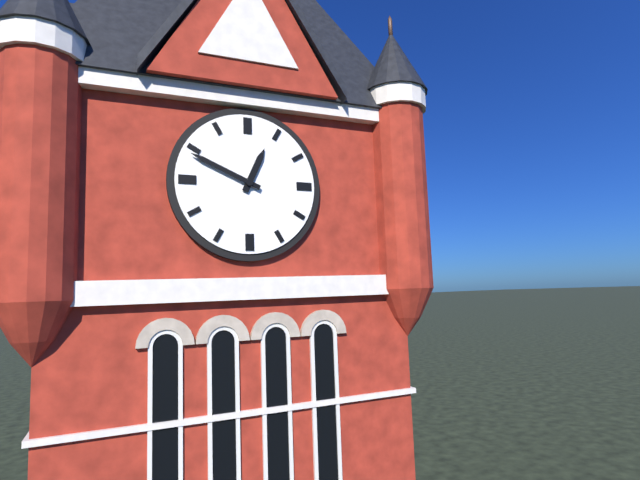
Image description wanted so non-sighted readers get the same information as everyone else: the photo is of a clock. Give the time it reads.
12:49
